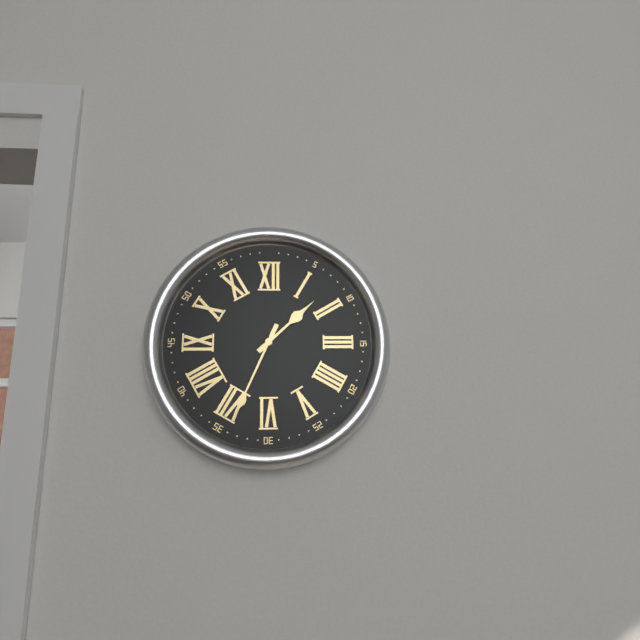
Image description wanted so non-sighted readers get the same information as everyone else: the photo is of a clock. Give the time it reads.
1:34
